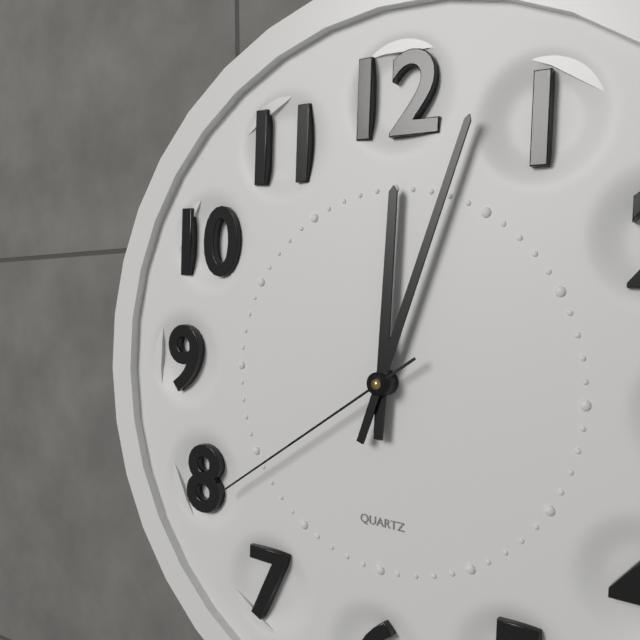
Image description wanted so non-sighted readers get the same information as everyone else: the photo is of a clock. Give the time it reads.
12:03:39
